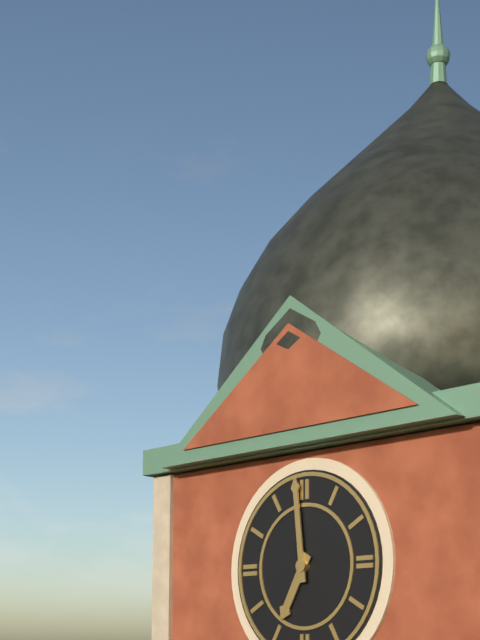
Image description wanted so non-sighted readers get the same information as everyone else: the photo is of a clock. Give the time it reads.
6:59
